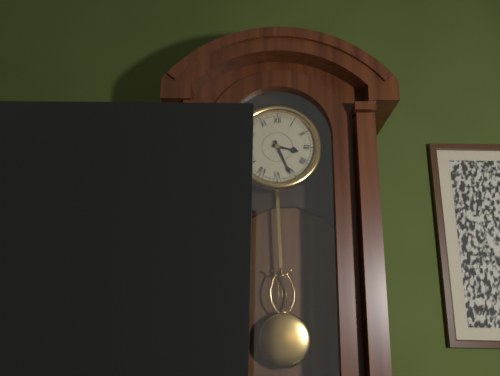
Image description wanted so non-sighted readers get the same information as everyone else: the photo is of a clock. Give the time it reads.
3:26
